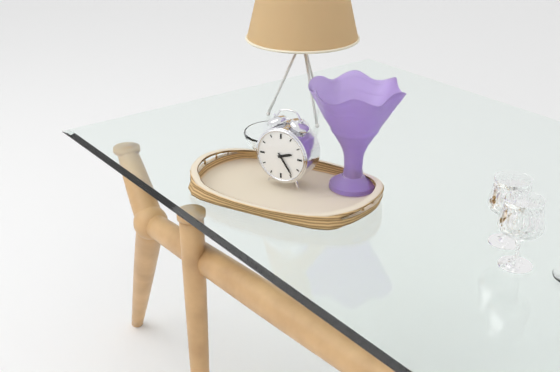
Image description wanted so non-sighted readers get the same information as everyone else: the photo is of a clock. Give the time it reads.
2:24
